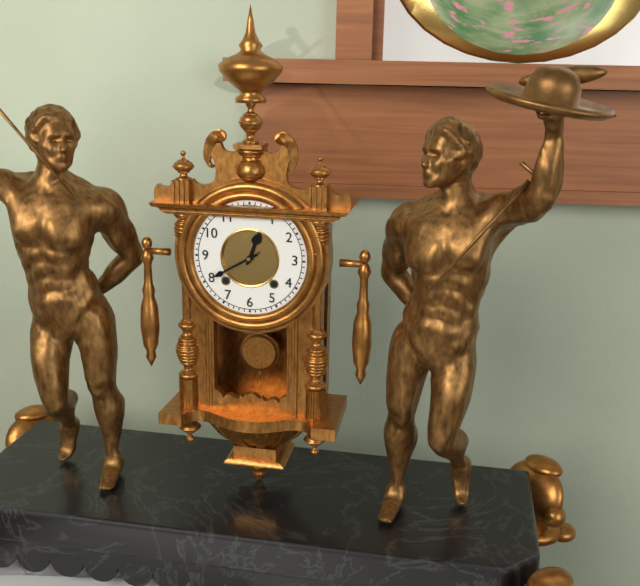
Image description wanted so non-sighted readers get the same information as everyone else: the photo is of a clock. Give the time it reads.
12:40
